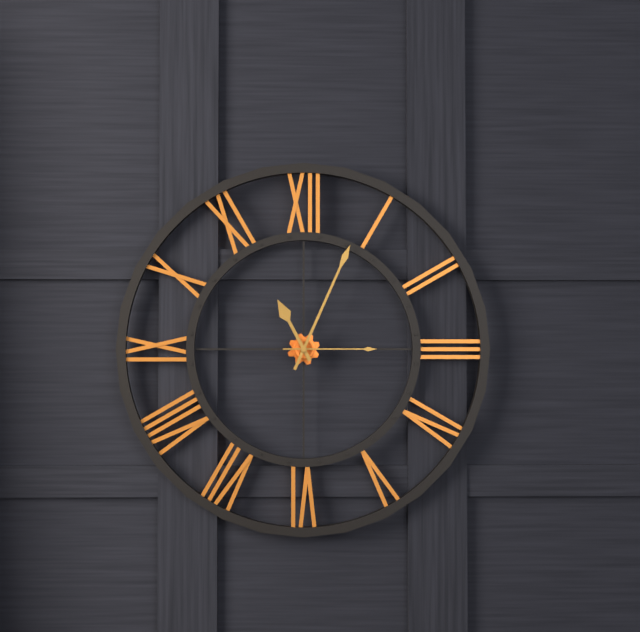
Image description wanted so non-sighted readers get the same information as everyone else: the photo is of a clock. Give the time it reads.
11:04:15
